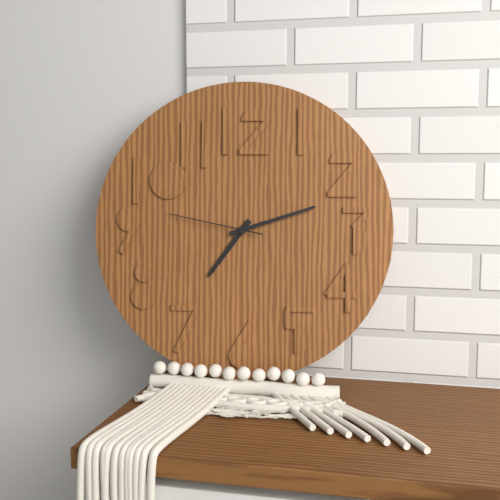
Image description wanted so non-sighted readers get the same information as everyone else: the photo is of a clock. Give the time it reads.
7:12:47
